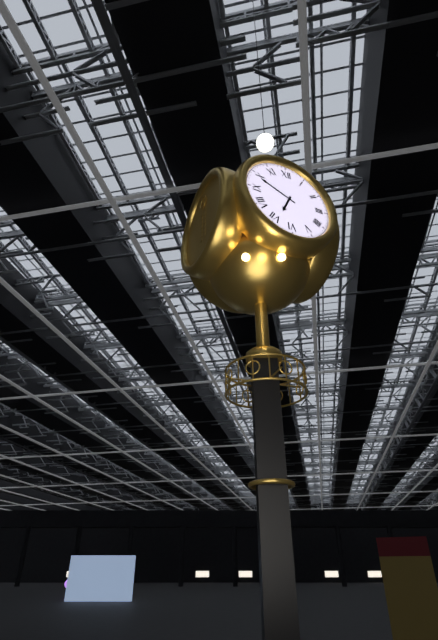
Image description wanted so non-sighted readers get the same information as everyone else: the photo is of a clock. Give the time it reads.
6:49
